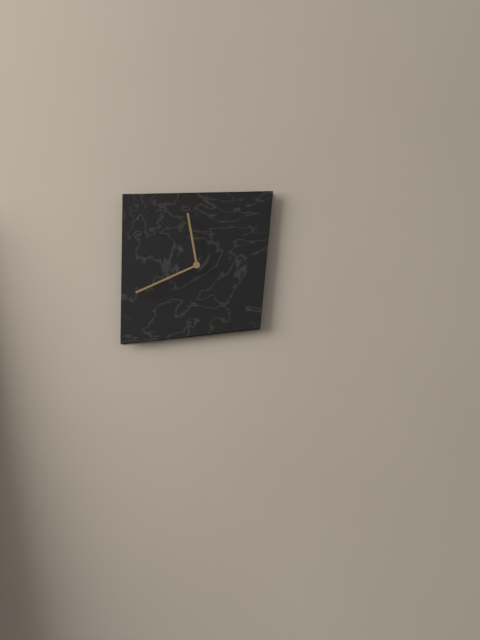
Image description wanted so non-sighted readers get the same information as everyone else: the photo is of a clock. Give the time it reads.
11:41
